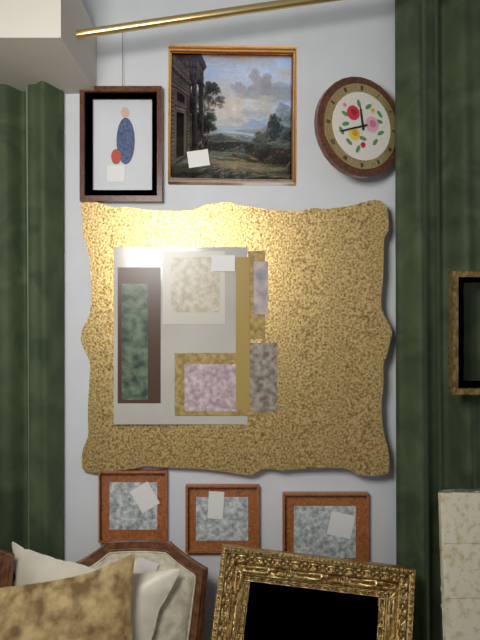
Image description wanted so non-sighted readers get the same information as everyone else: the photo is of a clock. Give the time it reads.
11:42
